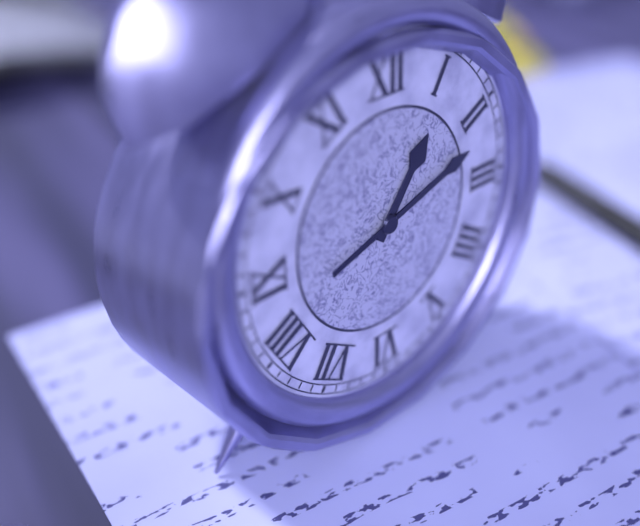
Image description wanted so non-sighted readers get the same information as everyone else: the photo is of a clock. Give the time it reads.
1:12
